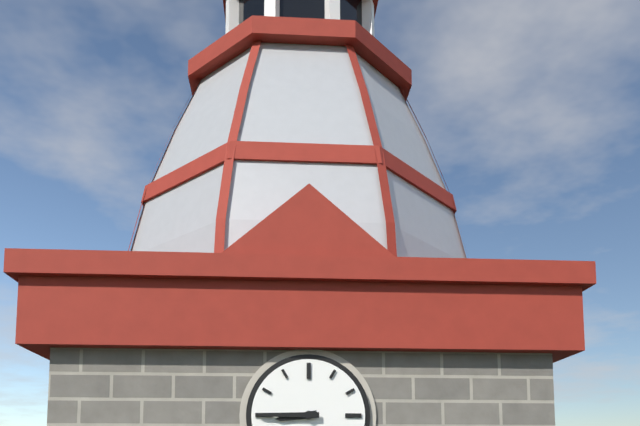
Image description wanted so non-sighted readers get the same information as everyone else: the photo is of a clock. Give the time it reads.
8:45
